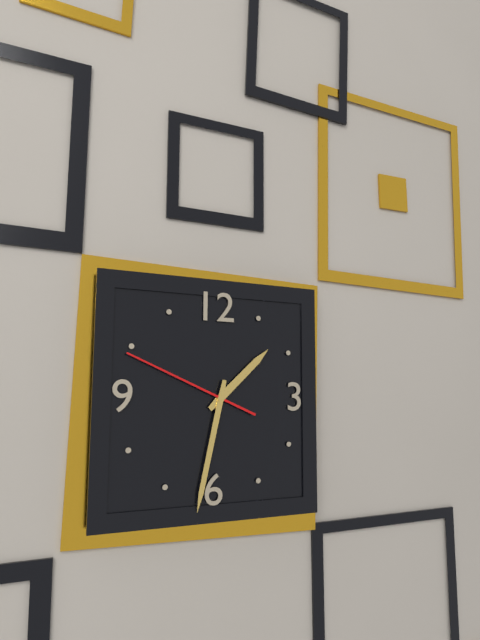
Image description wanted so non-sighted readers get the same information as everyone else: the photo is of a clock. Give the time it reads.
1:32:49
